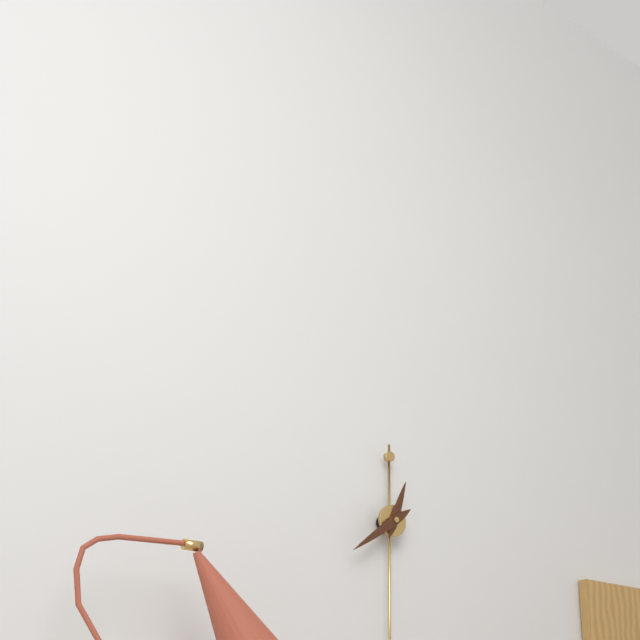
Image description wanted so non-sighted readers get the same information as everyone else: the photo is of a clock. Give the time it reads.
12:39
